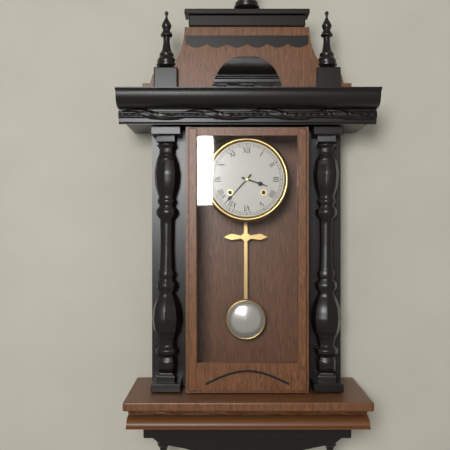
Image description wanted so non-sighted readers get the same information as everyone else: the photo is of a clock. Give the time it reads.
3:37
